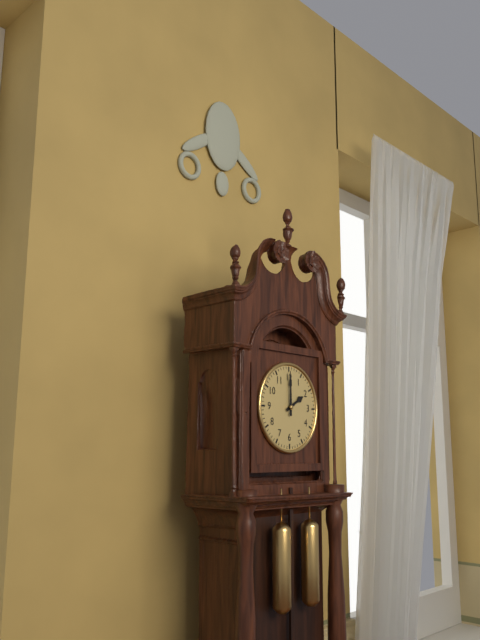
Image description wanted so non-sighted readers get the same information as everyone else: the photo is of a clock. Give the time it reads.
2:00
